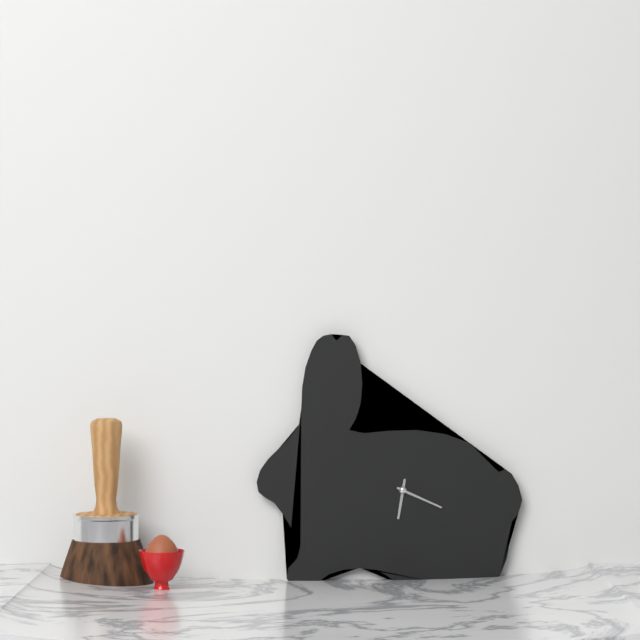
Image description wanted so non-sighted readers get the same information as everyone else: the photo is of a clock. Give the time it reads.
6:19
